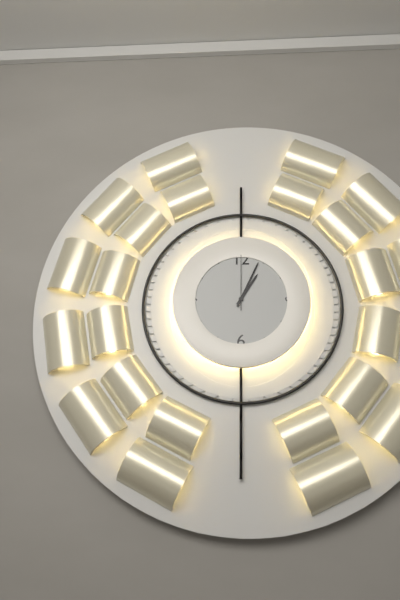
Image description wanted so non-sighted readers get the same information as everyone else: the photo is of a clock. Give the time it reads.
1:04:00
